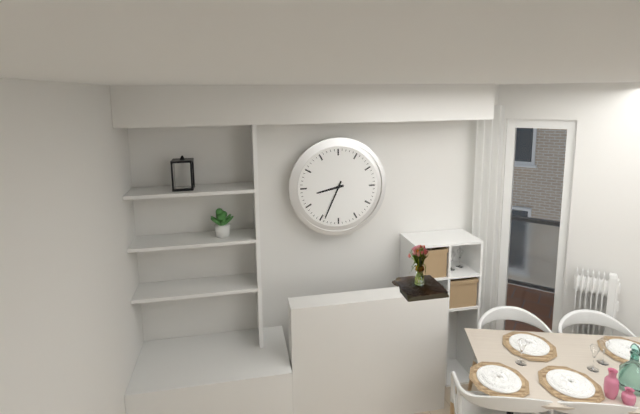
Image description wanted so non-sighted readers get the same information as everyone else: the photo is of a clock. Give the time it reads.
8:34
